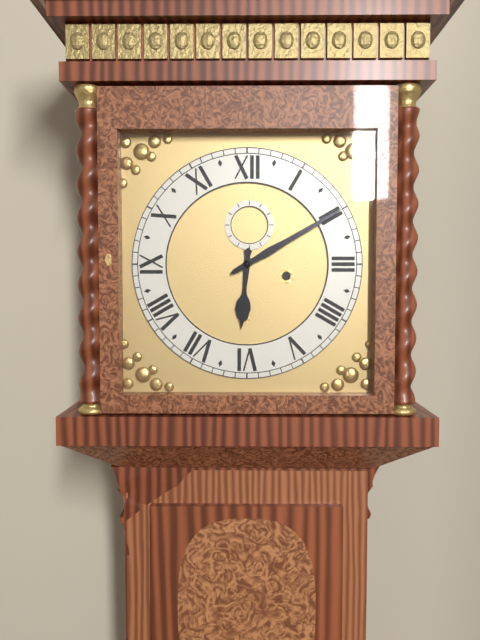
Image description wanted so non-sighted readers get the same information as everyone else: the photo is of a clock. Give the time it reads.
6:10
